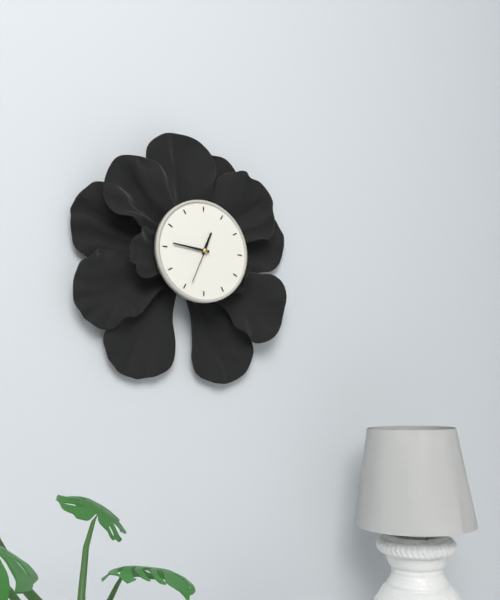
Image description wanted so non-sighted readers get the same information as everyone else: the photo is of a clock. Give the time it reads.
12:46
